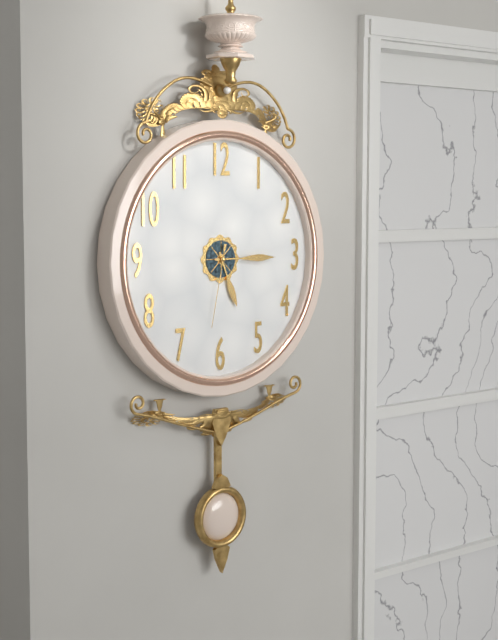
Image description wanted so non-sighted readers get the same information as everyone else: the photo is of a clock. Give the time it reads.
5:15:32
